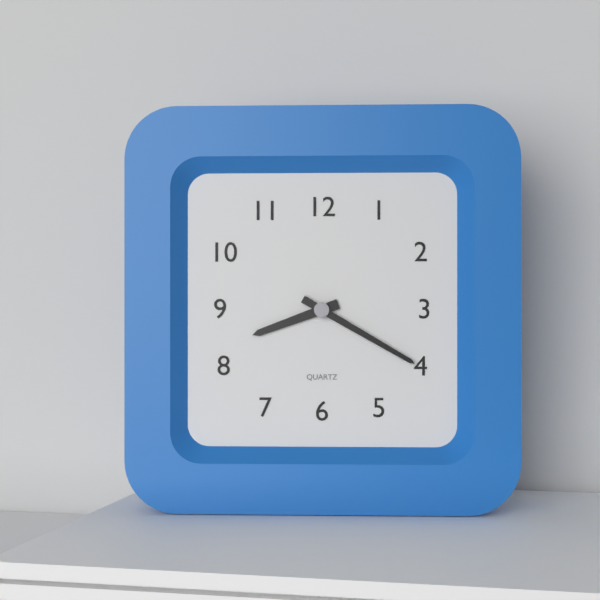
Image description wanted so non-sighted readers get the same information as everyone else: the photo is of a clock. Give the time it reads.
8:20
